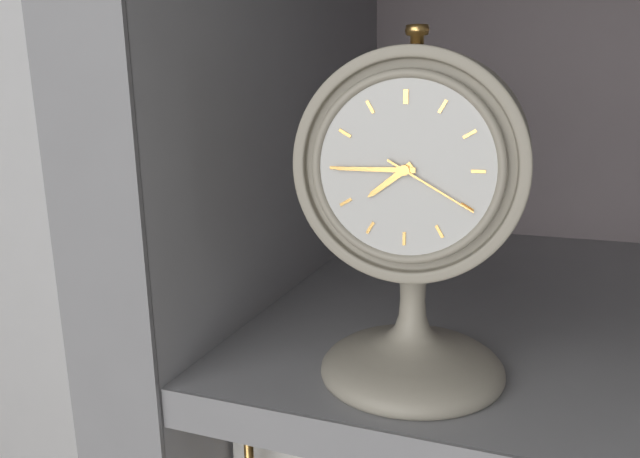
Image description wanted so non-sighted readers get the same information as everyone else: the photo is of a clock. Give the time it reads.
7:45:20
